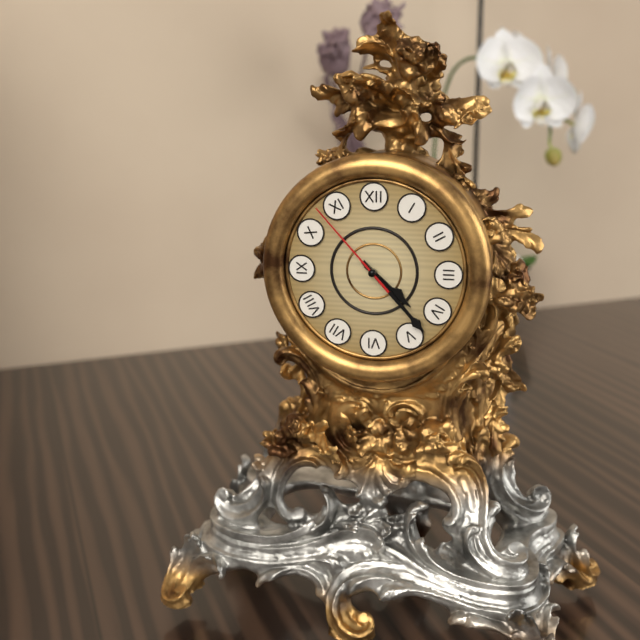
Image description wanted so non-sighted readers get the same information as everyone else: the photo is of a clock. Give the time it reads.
4:23:53
